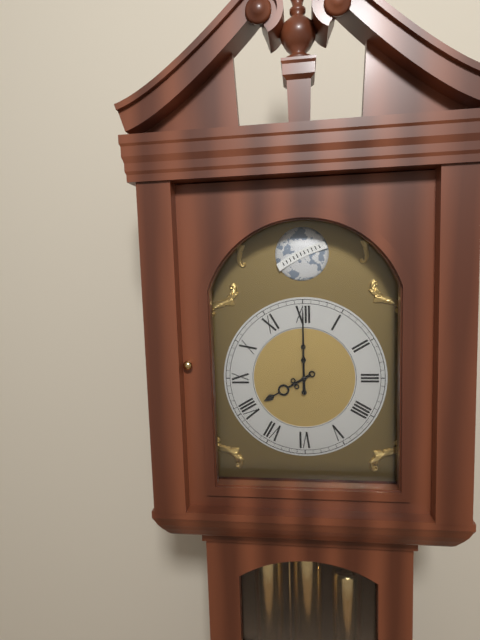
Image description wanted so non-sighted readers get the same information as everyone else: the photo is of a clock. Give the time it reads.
8:00
